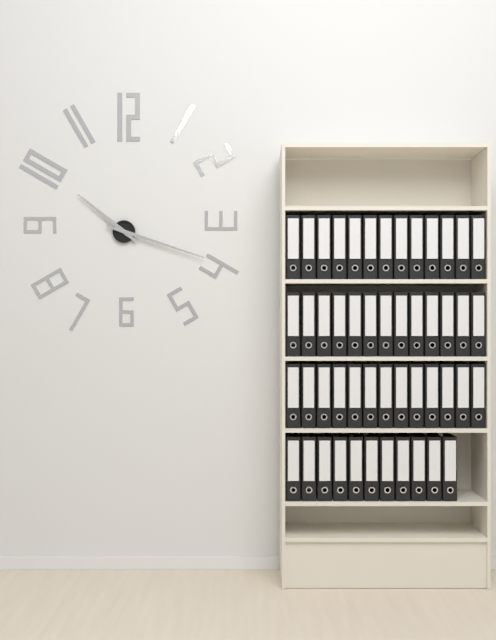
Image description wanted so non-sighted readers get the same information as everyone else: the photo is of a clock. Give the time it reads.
10:18
